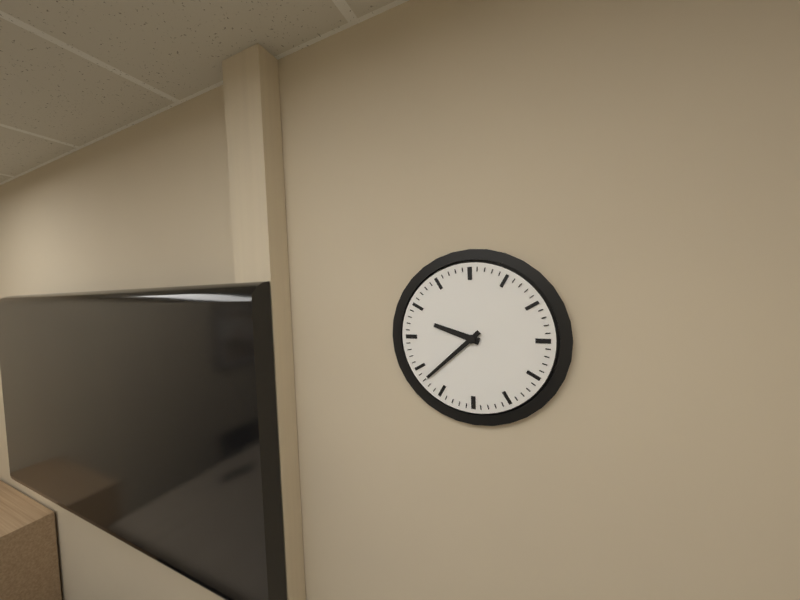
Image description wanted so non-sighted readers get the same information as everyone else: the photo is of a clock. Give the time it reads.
9:38
